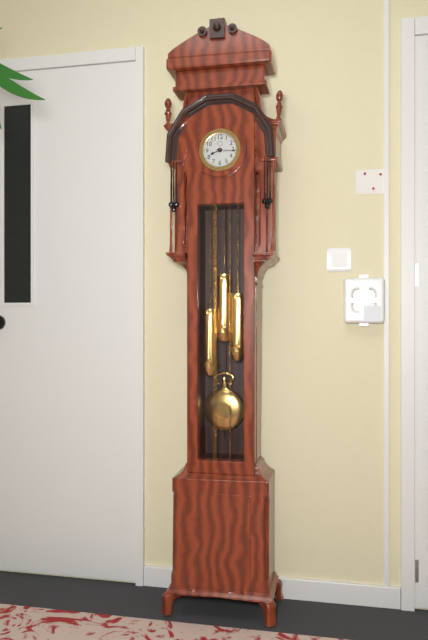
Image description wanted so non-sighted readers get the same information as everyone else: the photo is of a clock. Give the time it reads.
8:16
